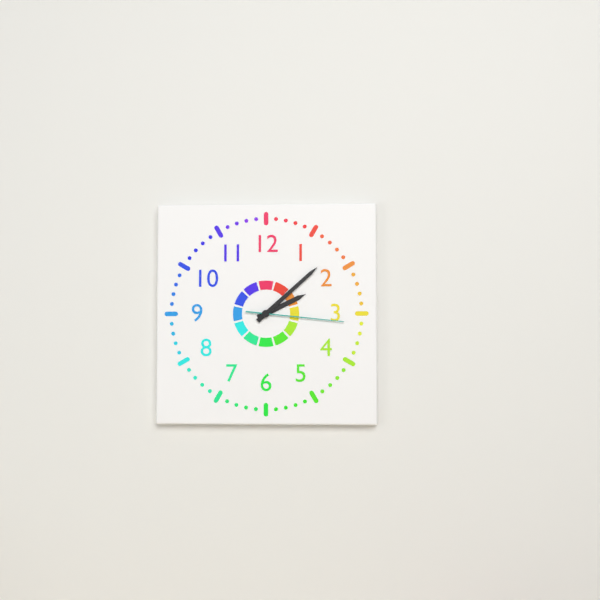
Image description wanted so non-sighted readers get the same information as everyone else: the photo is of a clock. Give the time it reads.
2:08:16
